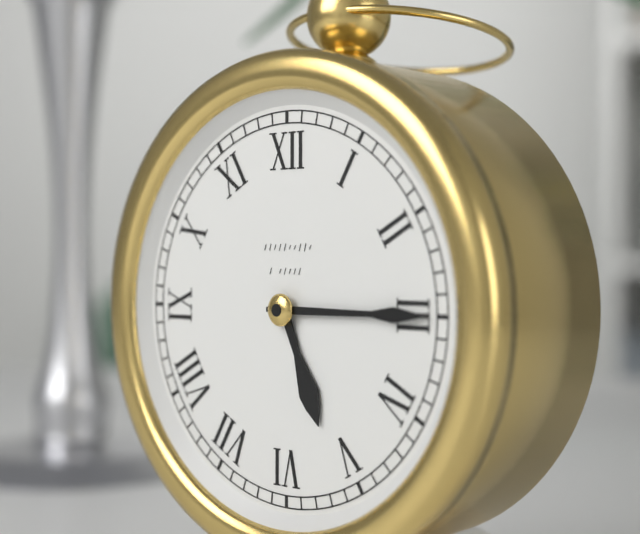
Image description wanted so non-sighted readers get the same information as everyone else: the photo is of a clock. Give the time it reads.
5:15
